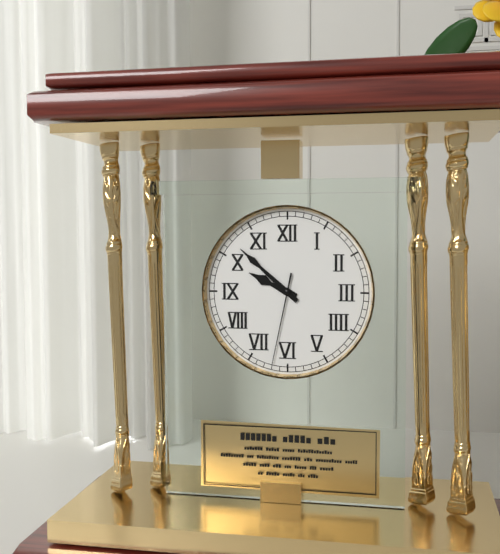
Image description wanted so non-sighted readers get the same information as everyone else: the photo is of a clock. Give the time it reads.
9:52:32
